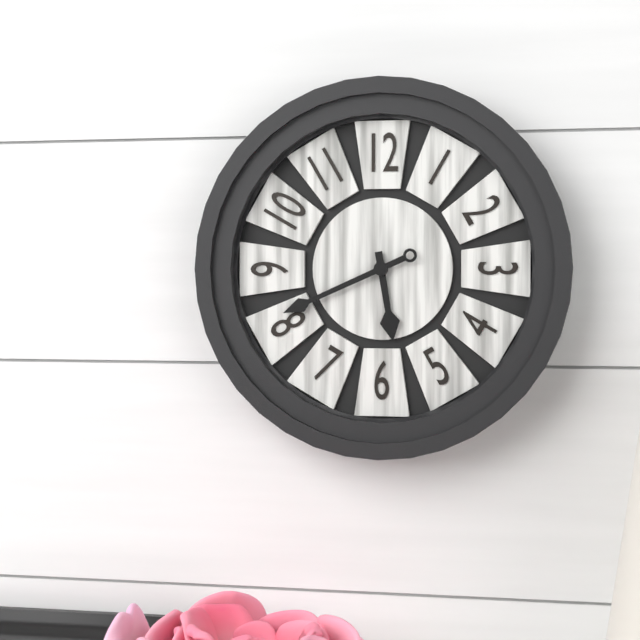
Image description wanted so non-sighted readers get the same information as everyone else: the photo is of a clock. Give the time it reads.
5:41
